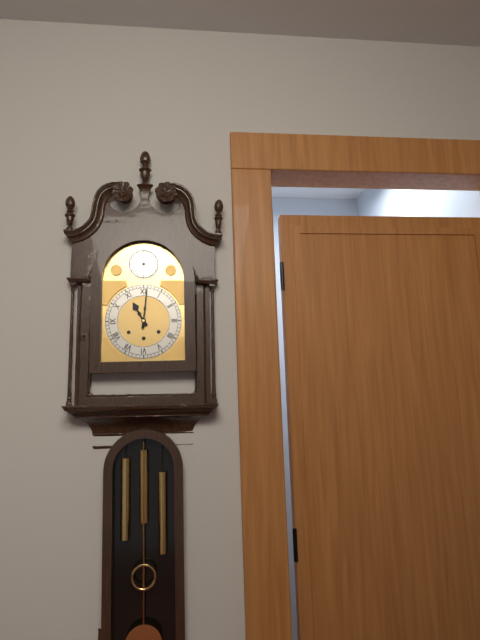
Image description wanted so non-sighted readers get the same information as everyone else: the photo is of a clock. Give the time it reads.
11:01
